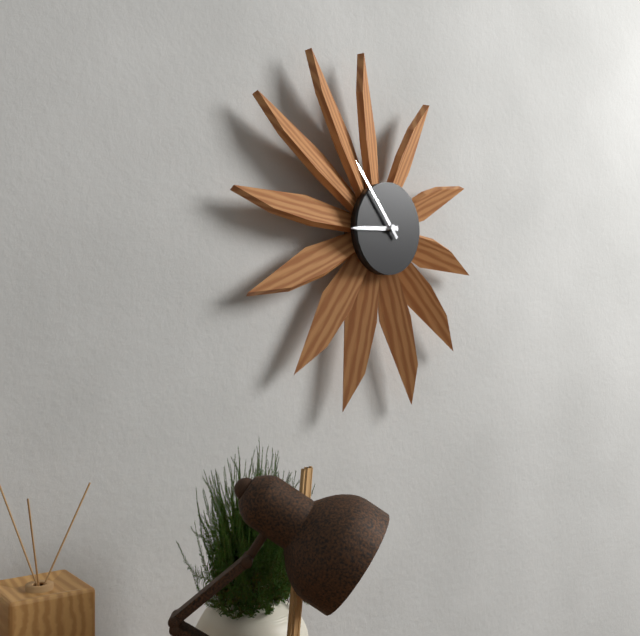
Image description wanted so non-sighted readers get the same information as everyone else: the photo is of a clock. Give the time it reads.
8:54
